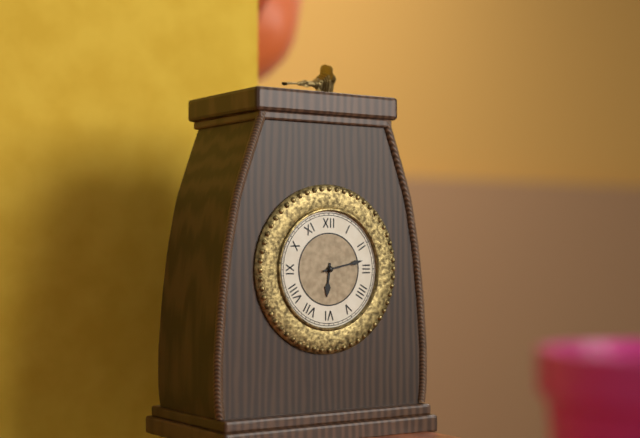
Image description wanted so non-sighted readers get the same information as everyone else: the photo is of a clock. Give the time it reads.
6:13
